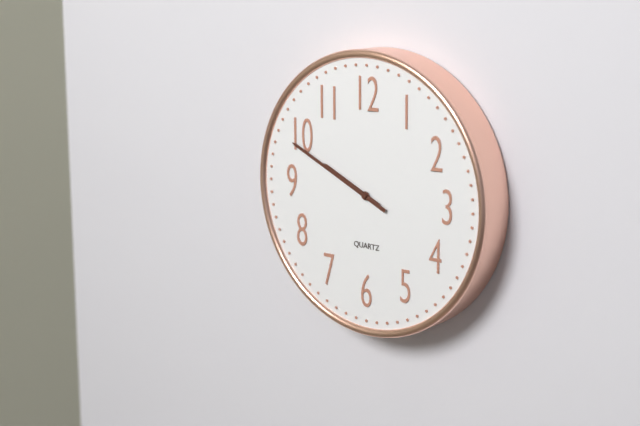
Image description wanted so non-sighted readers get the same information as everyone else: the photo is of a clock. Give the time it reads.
9:49
